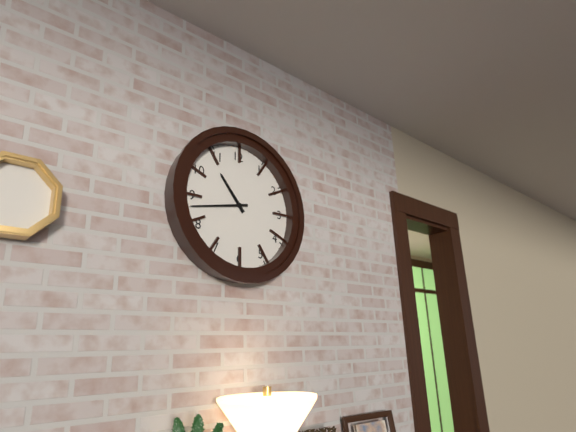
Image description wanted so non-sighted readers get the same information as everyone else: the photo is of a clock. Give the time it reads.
10:43
